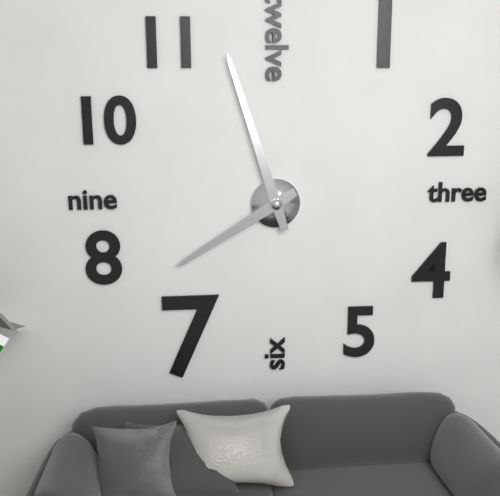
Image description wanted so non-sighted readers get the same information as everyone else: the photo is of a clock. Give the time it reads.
7:57
